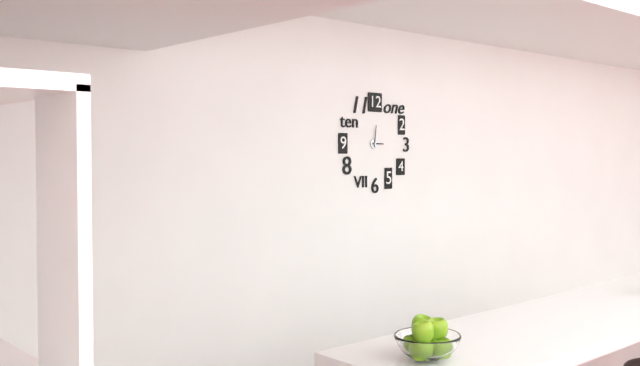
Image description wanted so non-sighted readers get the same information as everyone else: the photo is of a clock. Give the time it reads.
3:01
